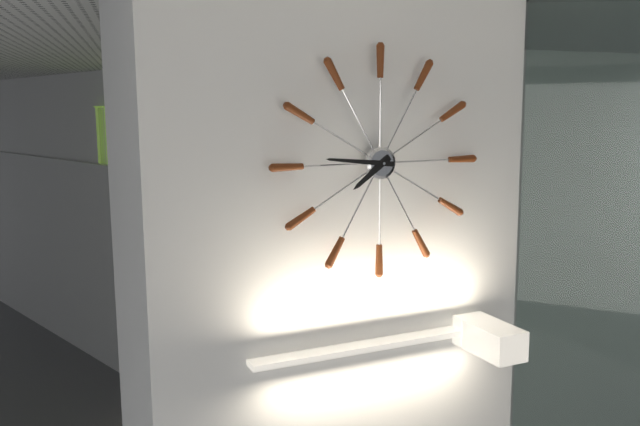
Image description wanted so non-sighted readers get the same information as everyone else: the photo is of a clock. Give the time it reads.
7:46
